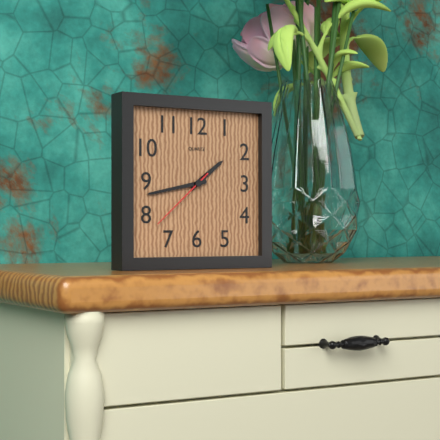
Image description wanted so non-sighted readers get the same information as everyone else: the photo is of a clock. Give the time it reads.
1:43:38
